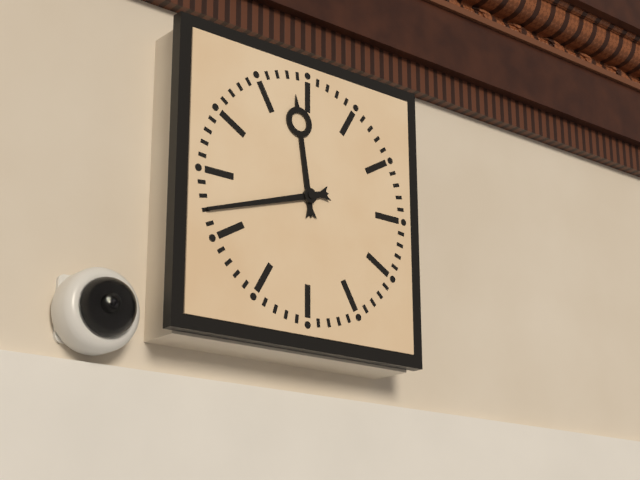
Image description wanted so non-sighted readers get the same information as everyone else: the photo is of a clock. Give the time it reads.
11:42
